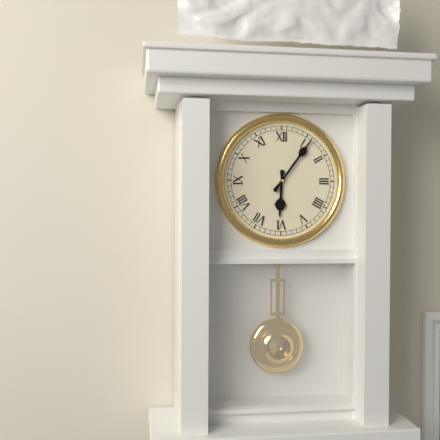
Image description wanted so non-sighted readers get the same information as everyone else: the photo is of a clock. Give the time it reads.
6:06
